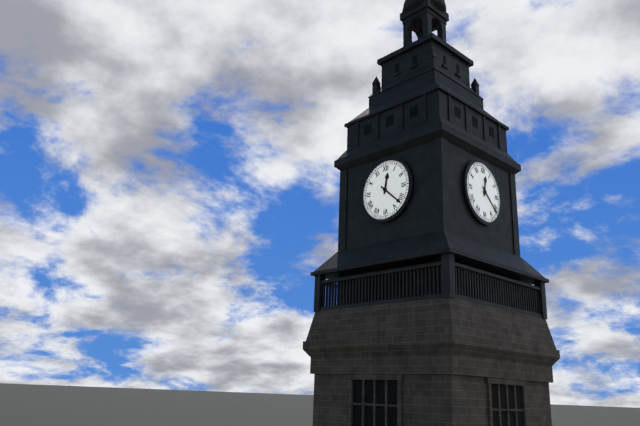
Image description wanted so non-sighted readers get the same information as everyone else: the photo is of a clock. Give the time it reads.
12:22
